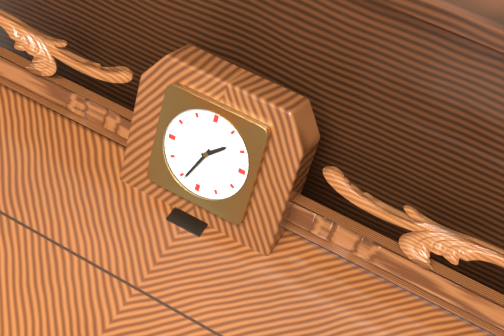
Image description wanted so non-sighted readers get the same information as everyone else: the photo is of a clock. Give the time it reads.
1:34
